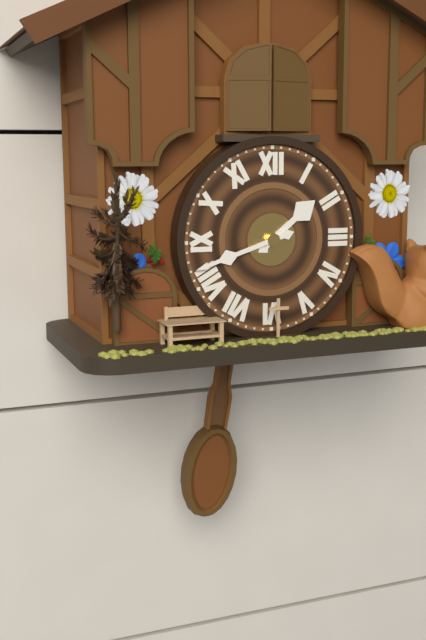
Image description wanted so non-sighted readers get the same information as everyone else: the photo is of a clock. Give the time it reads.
1:42
